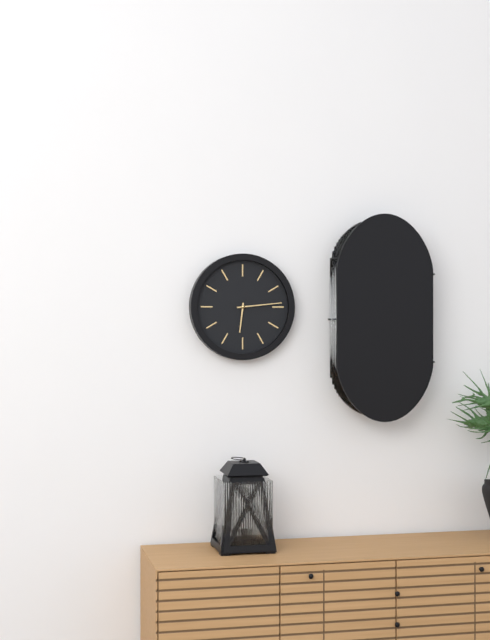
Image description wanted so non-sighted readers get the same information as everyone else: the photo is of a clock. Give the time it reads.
6:14
